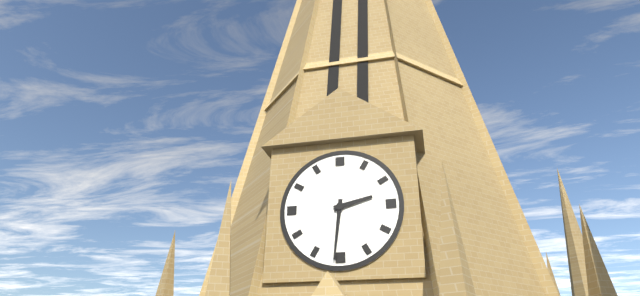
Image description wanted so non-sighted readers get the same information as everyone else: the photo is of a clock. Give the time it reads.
2:31
